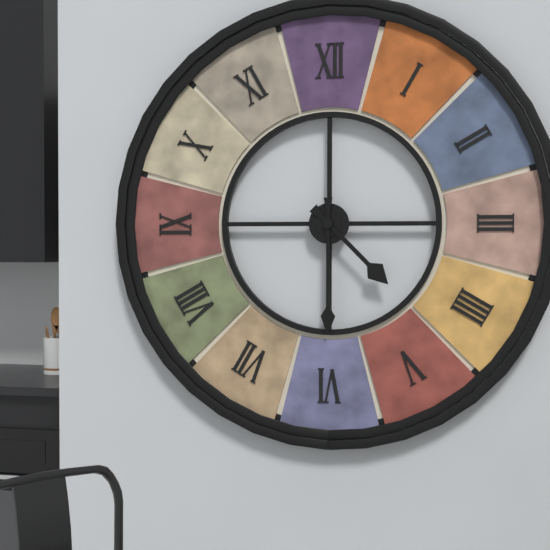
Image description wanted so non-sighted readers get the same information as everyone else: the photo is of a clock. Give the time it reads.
4:30
